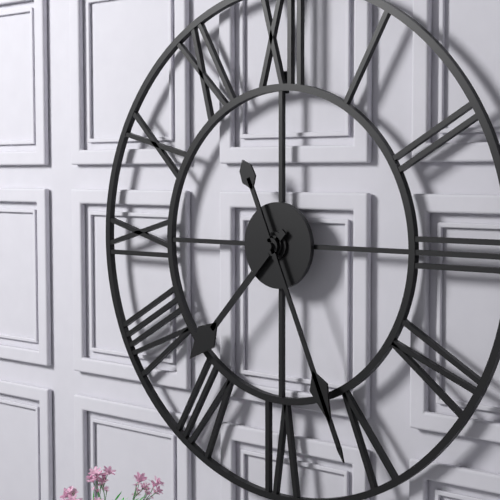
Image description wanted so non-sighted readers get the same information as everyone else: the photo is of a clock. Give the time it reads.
7:26
